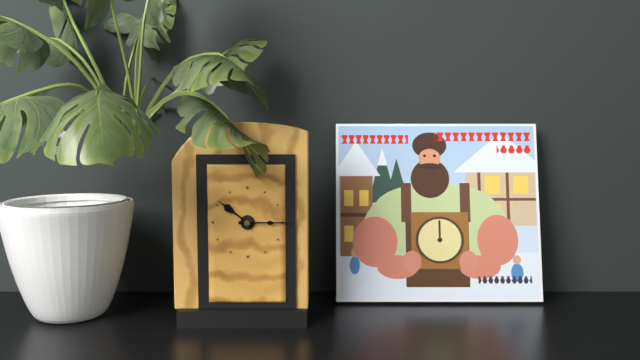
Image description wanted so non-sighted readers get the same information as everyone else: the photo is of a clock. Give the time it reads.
10:15
